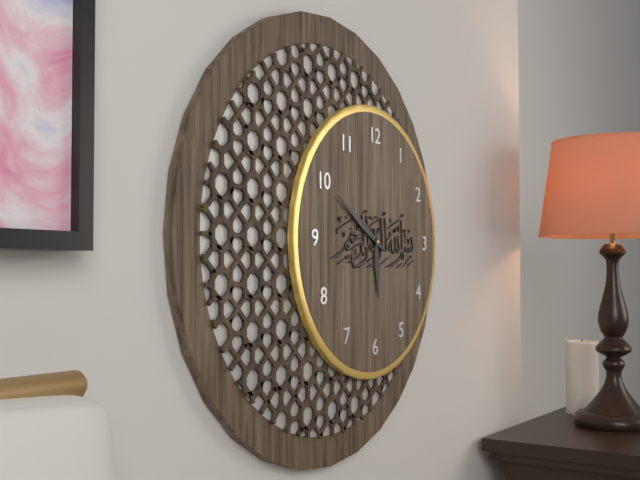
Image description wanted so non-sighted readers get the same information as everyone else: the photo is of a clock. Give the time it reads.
5:50
